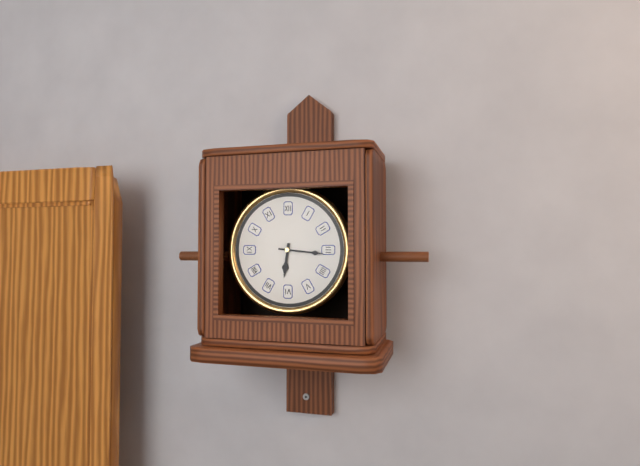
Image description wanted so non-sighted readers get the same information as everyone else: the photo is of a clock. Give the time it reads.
6:16
